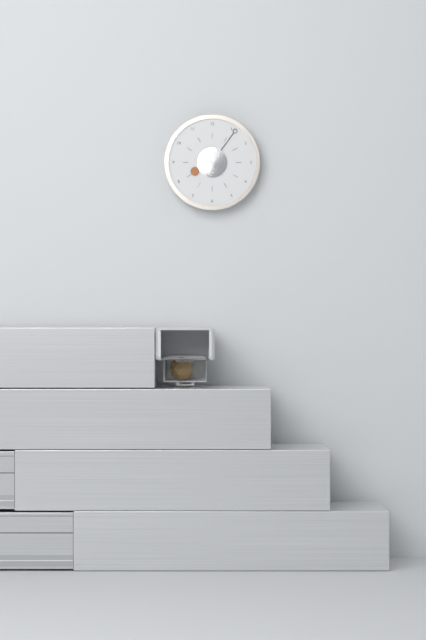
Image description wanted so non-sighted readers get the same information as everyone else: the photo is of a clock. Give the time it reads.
8:06
